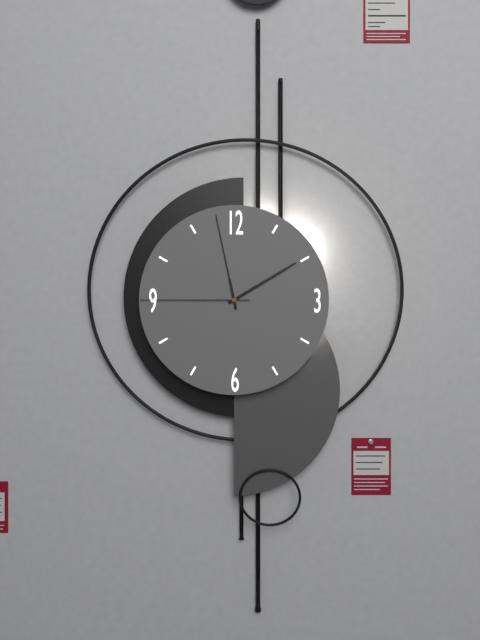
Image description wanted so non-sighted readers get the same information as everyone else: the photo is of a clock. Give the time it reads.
1:58:45
